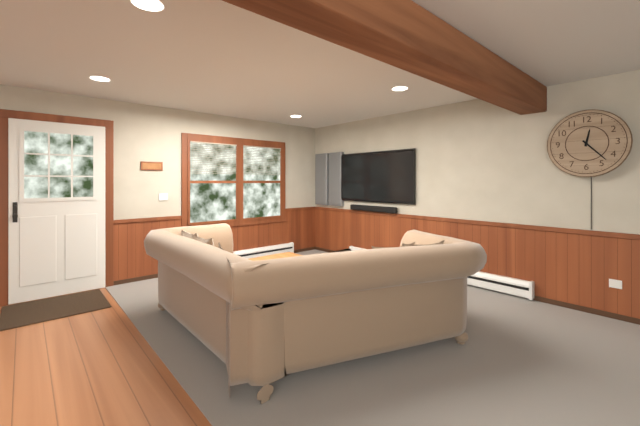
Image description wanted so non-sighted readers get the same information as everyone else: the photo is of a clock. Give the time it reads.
12:23
